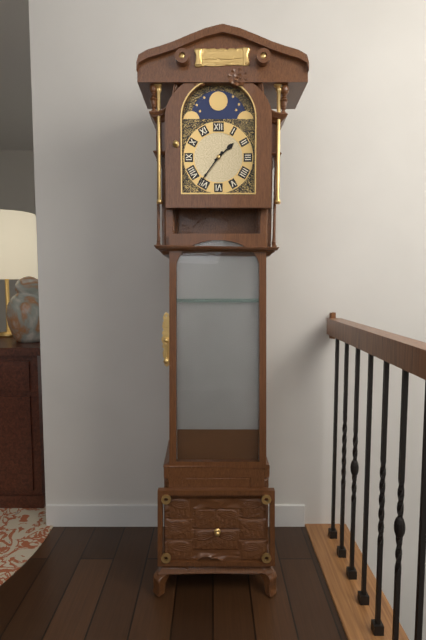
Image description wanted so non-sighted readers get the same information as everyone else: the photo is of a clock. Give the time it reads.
1:36
